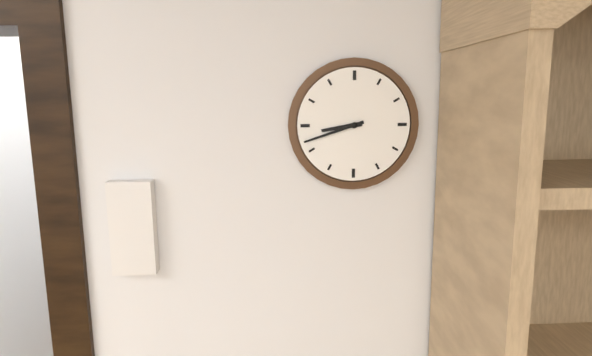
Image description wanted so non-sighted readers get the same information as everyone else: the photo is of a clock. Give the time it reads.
8:42
